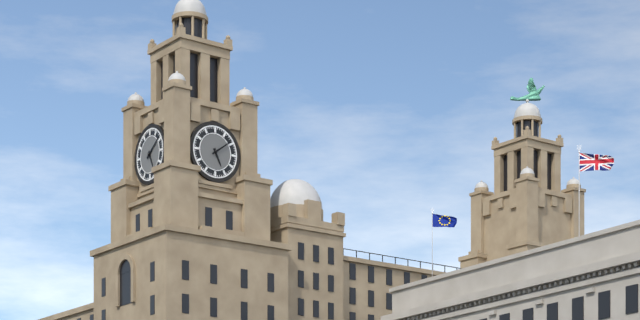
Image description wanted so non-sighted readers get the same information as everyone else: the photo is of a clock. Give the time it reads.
5:09
